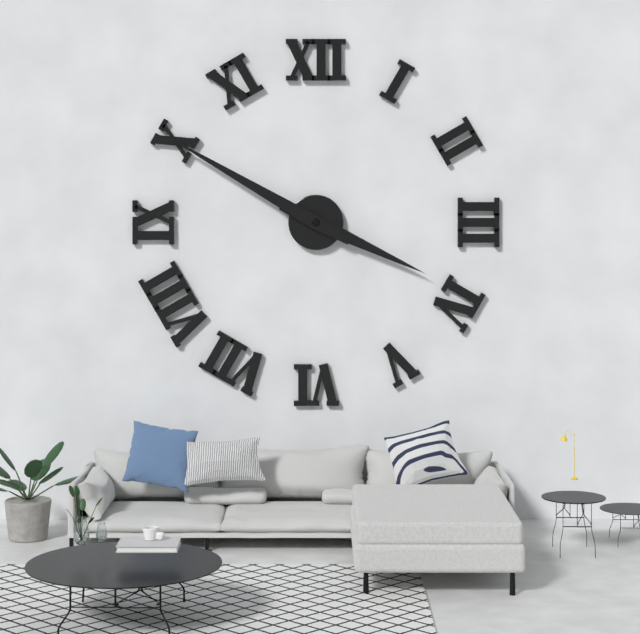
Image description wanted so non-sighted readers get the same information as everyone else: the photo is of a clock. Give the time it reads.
3:50
